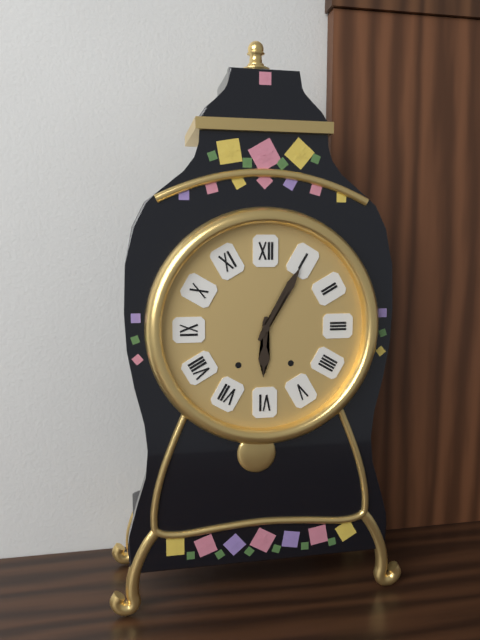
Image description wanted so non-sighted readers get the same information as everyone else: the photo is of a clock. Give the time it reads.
6:05
